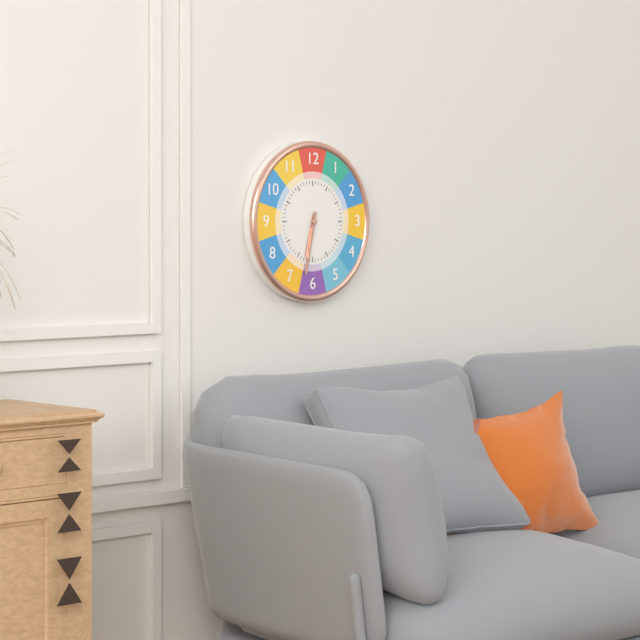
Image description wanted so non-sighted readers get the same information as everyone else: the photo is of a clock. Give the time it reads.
6:32
